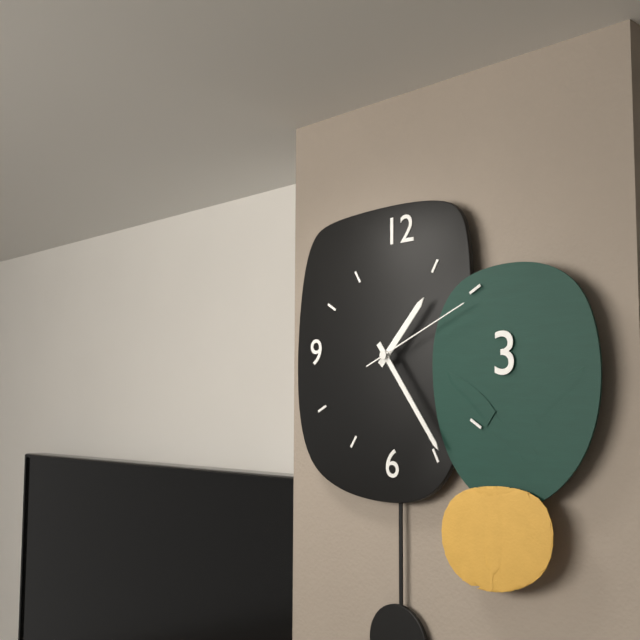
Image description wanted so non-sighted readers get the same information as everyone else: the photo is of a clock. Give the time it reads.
1:24:11
